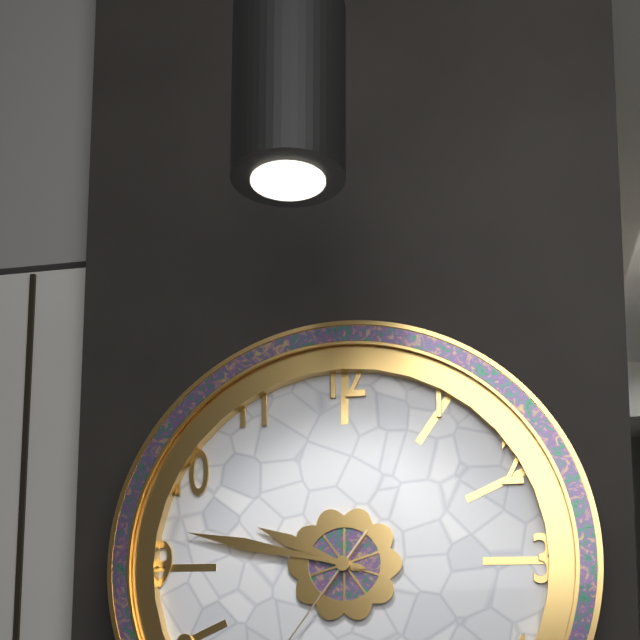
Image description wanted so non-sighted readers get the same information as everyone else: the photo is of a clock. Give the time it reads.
9:47
